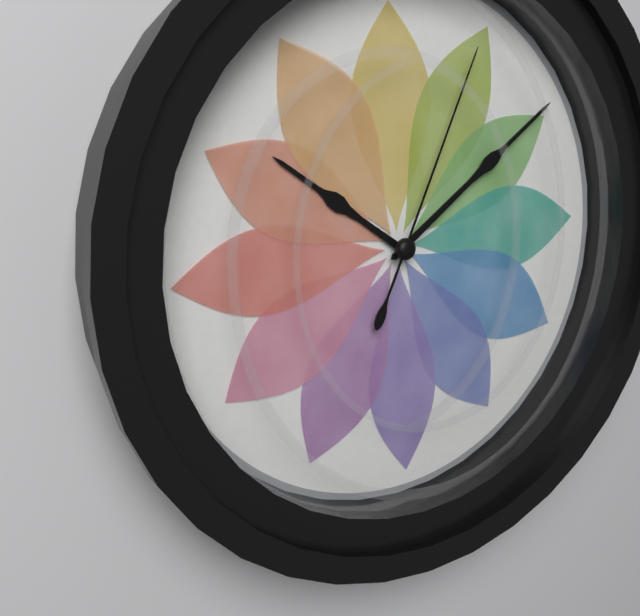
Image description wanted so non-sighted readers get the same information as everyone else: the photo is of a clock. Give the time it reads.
10:09:04
